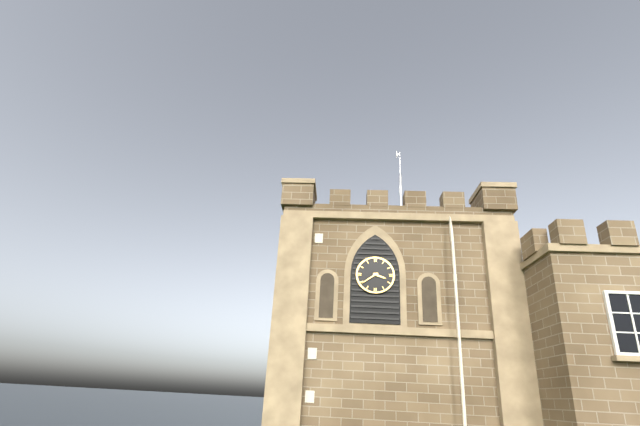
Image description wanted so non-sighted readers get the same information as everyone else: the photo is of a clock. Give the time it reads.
3:39
